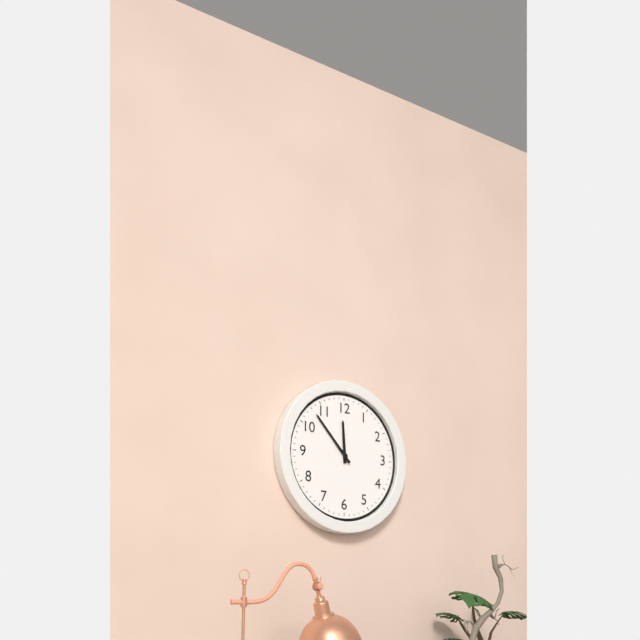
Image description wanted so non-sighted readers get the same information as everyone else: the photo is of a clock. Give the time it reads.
11:53
